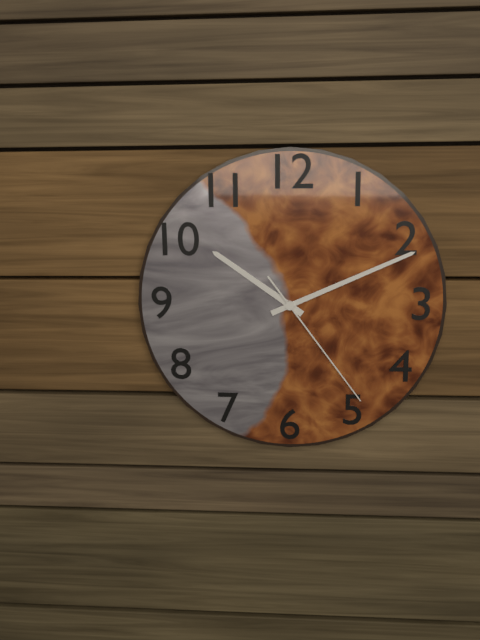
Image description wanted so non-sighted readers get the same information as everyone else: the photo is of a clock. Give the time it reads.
10:11:24
